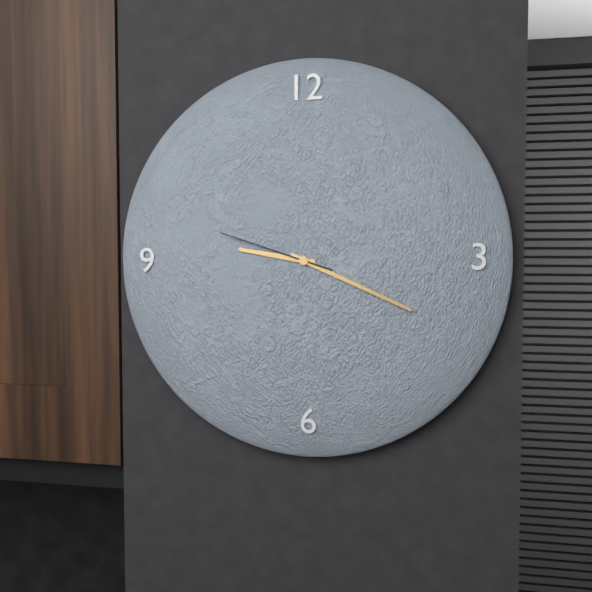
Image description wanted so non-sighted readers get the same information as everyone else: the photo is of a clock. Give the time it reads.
9:19:48
